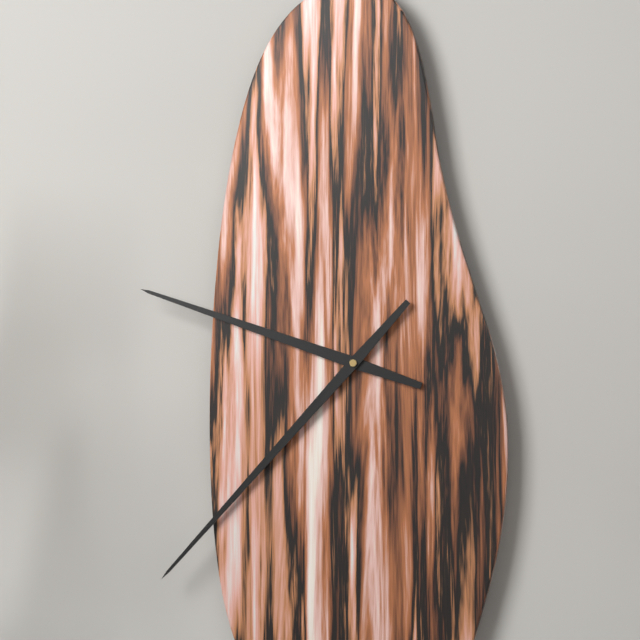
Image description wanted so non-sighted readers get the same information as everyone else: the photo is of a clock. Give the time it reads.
9:37
